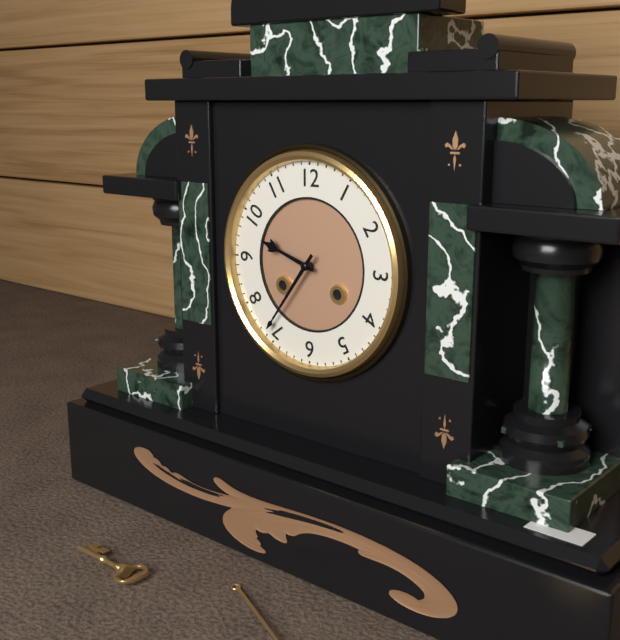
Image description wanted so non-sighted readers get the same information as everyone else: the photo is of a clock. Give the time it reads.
9:36
